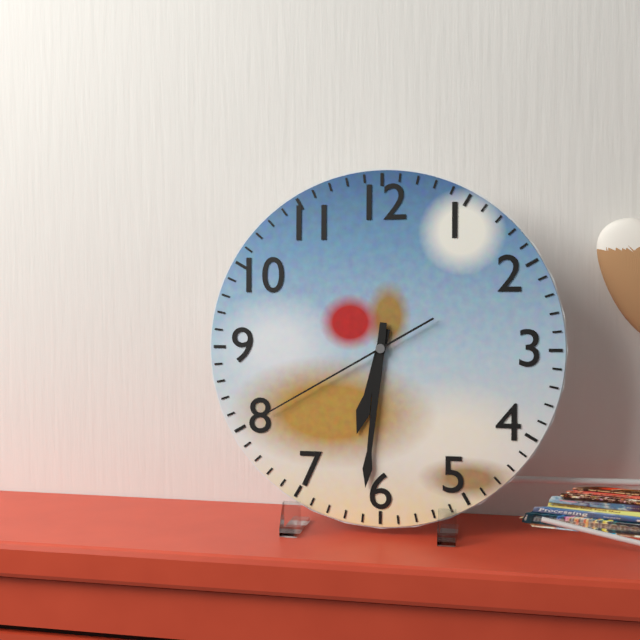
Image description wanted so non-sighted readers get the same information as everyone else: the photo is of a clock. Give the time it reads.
6:31:40
